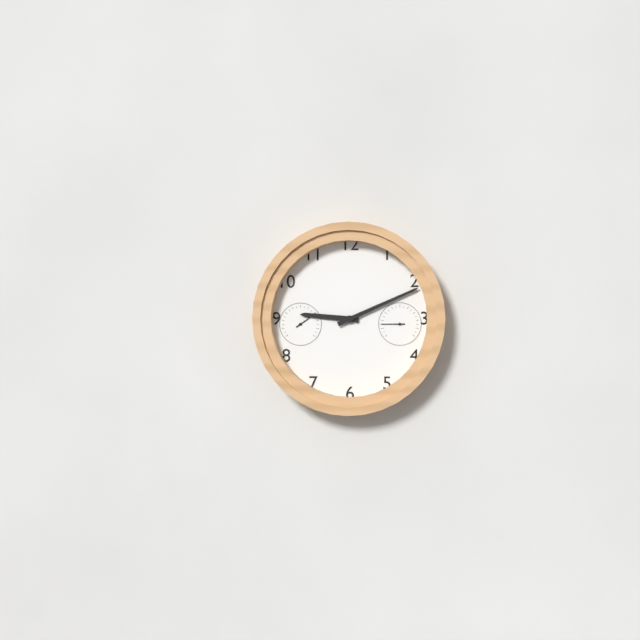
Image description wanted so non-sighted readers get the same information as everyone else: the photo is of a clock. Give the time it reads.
9:11
